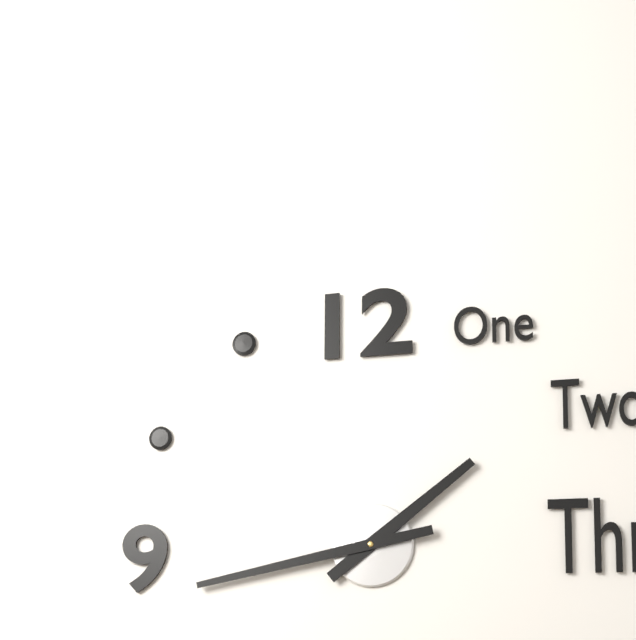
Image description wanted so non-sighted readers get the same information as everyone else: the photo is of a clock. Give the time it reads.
1:43
